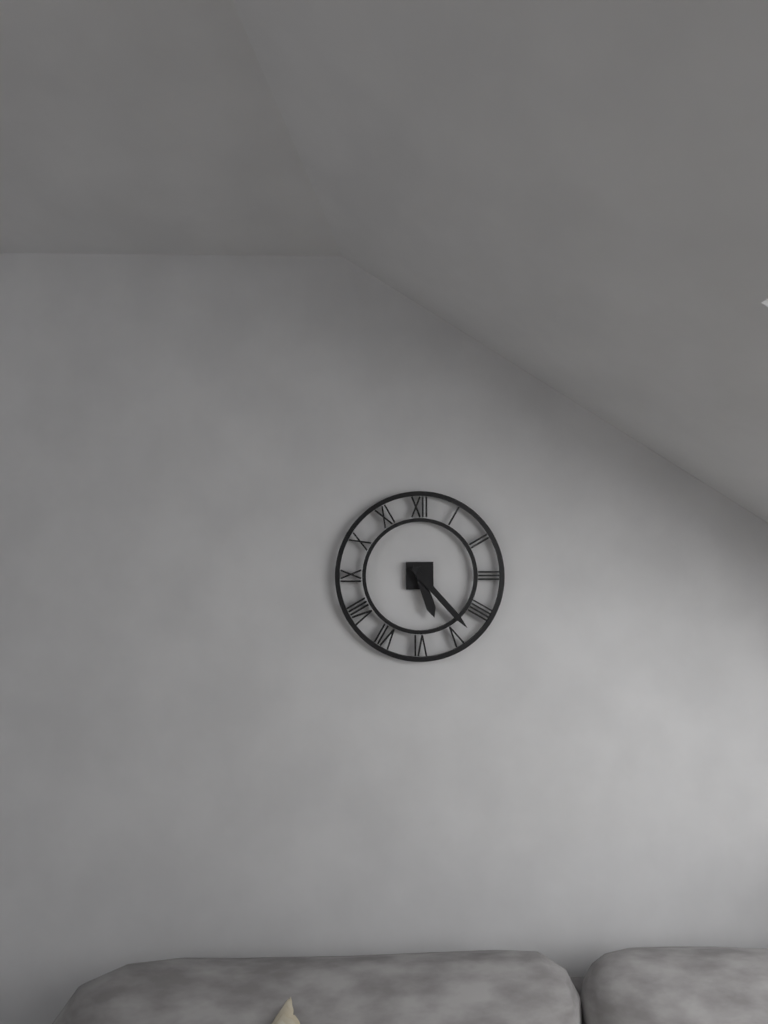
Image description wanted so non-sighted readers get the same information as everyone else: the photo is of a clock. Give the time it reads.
5:23
